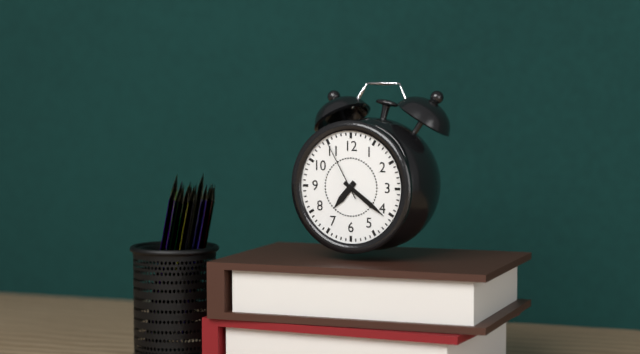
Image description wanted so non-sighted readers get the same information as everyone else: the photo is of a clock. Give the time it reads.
7:21:55
